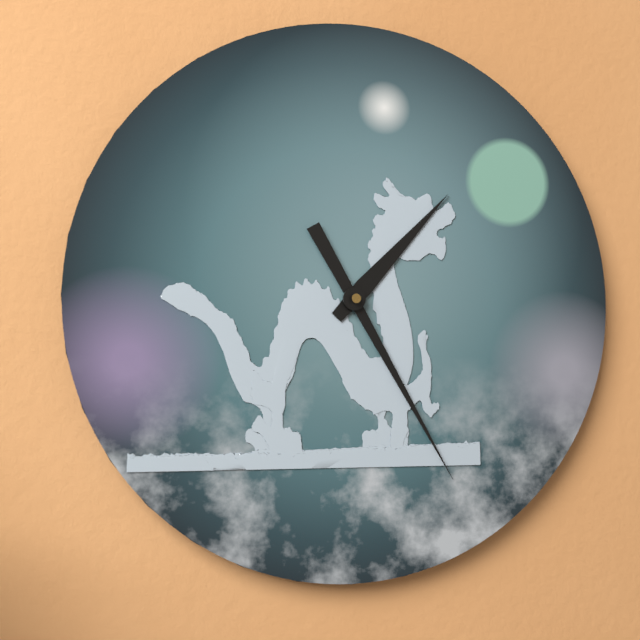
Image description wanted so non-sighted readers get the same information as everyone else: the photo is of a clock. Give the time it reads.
1:25
